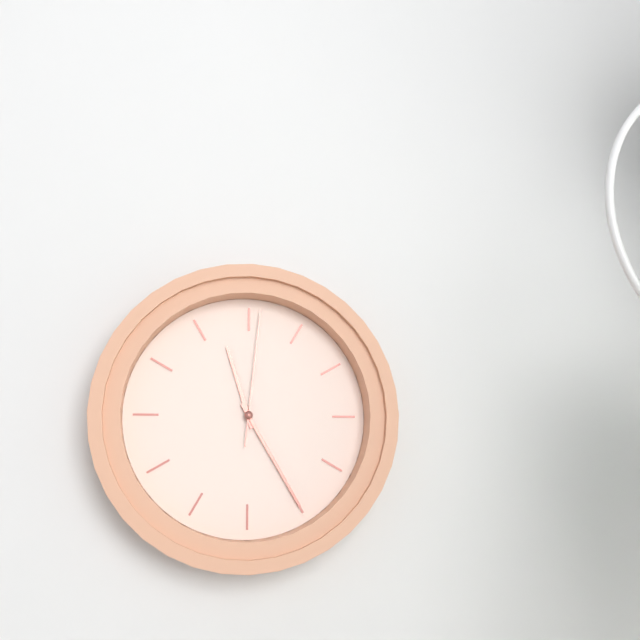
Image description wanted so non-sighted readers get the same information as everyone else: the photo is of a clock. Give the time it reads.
11:25:01
